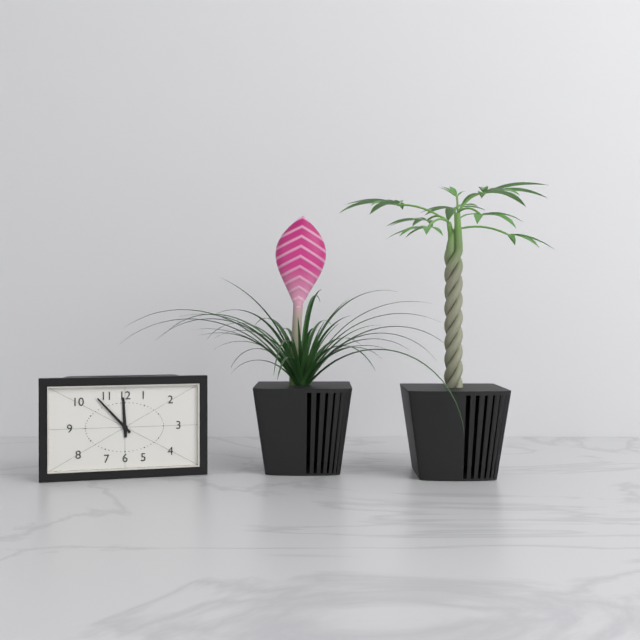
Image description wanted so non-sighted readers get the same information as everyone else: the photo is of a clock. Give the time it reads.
11:53
